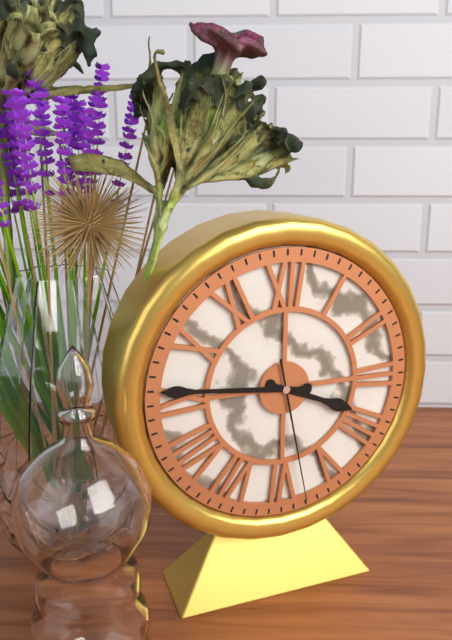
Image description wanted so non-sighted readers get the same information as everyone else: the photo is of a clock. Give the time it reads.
3:46:28
